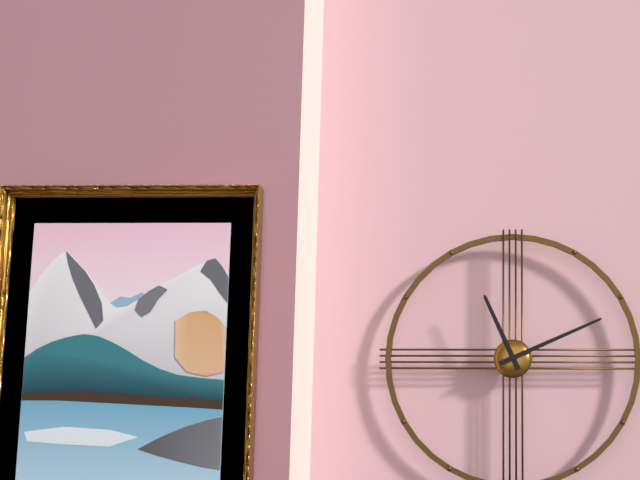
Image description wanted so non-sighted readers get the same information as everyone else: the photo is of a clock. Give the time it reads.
11:11
